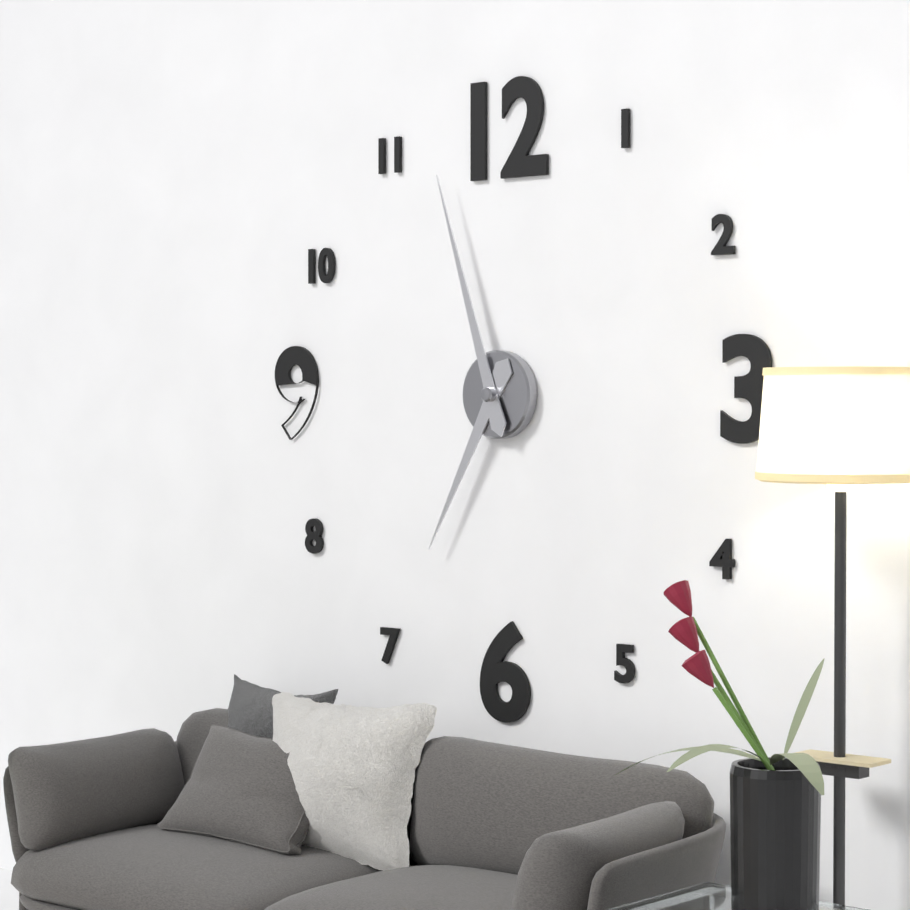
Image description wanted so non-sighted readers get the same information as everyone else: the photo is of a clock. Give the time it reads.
6:57
